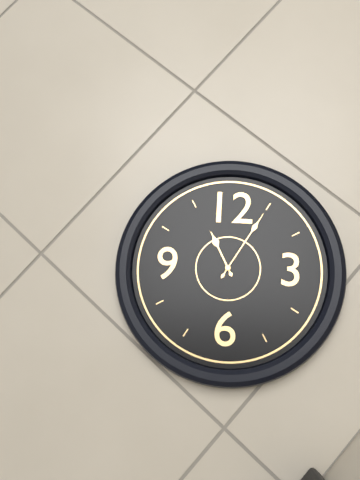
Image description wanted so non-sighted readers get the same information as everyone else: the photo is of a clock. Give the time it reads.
11:05
